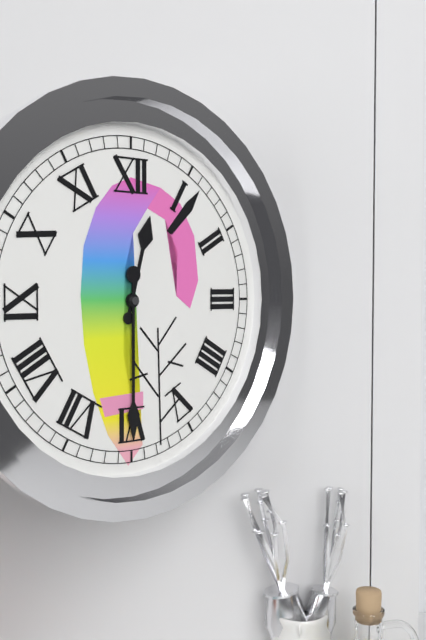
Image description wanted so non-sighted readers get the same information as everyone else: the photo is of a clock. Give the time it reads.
12:30
